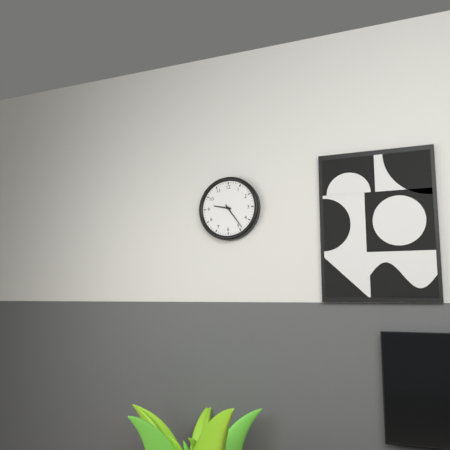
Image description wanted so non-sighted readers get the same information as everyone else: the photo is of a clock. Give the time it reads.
9:24
